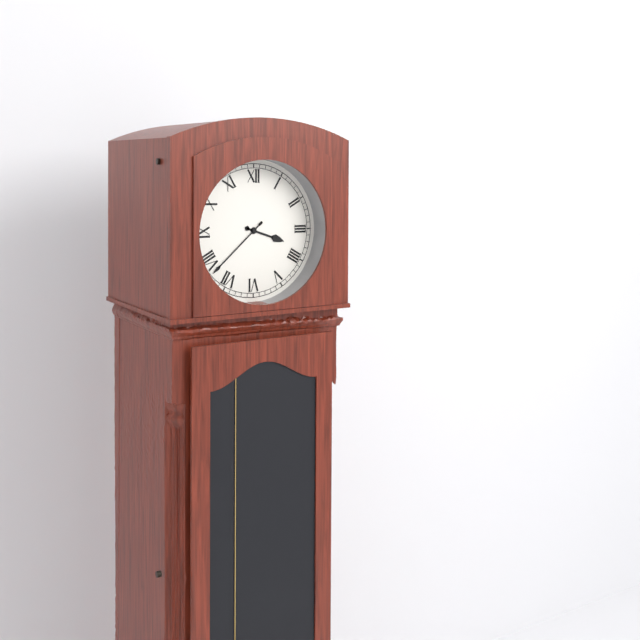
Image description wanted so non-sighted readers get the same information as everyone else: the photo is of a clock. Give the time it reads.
3:38
